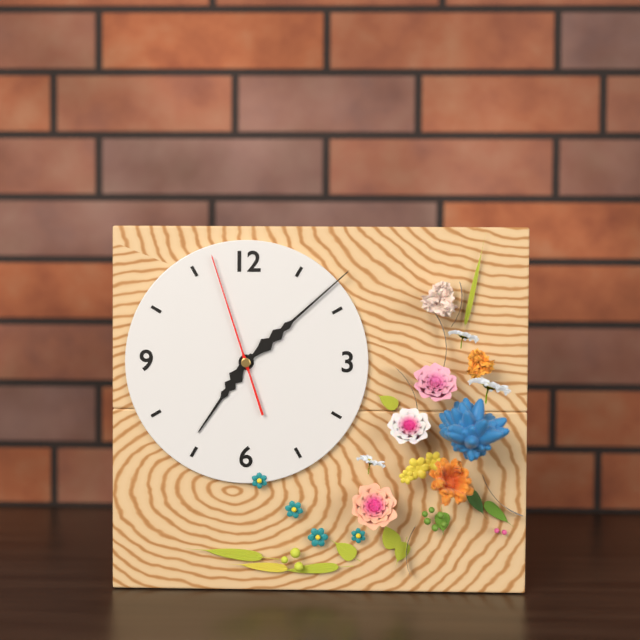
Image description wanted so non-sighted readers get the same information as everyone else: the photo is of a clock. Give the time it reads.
7:08:57
